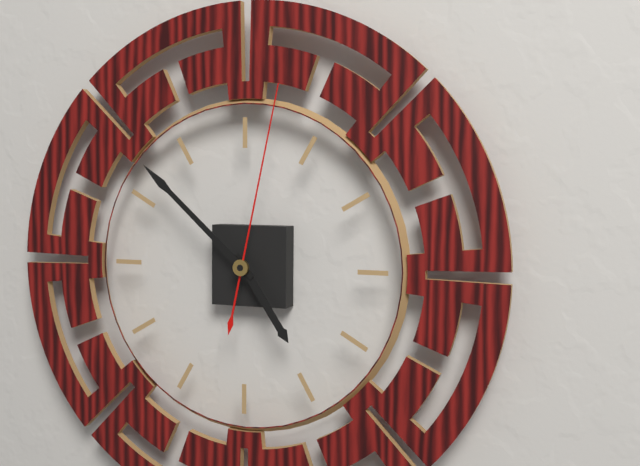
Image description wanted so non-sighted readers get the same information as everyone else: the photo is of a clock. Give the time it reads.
4:52:02
